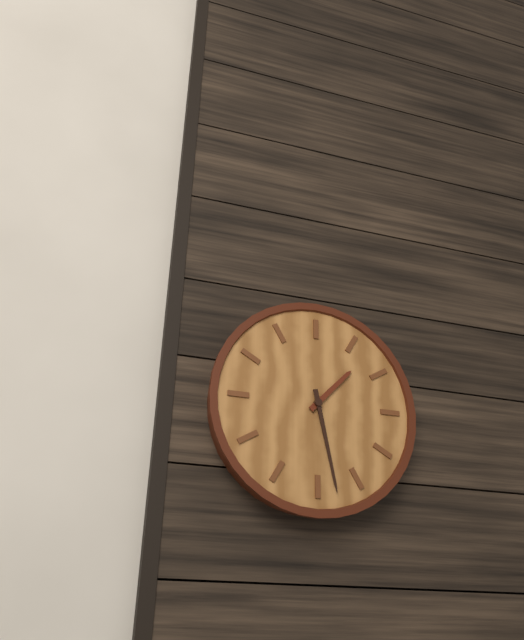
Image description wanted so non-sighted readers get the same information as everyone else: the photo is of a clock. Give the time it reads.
1:28
